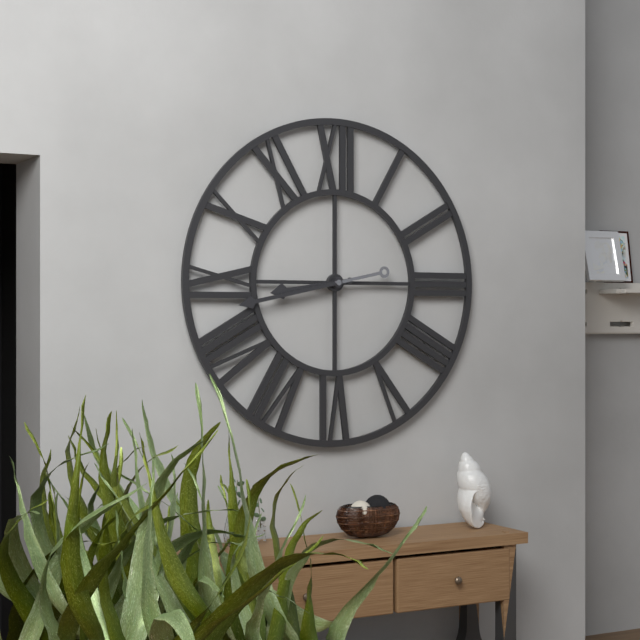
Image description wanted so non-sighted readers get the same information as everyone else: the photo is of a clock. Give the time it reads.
8:43
